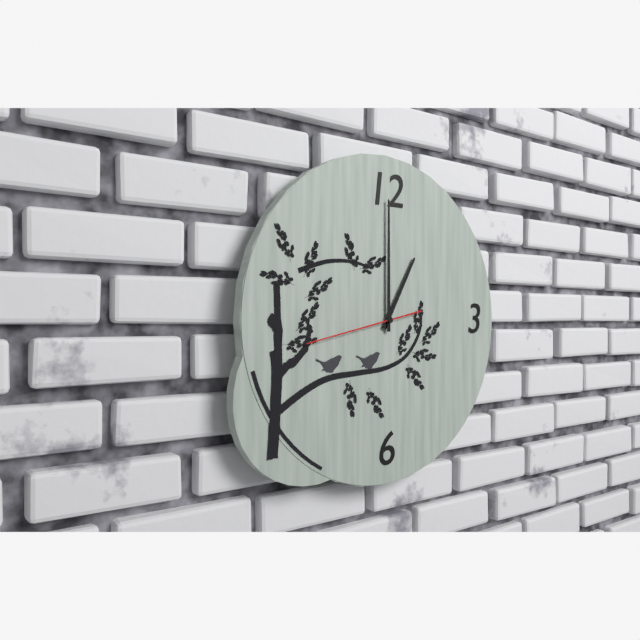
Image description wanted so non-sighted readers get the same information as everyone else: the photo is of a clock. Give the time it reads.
1:00:43
